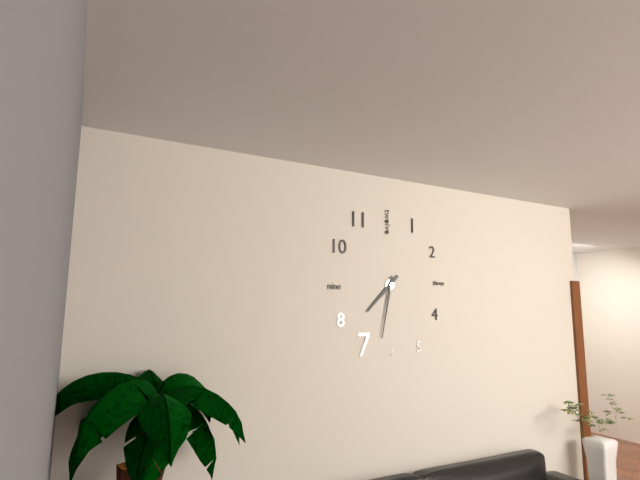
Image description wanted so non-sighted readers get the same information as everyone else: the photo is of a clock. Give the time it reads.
7:32
